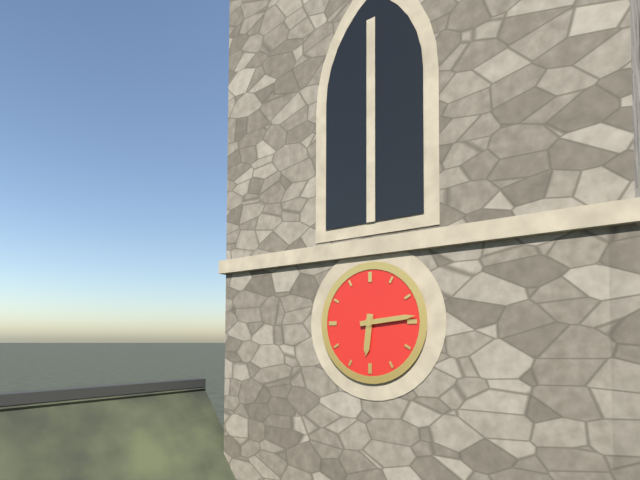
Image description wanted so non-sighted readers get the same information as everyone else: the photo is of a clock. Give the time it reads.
6:14
